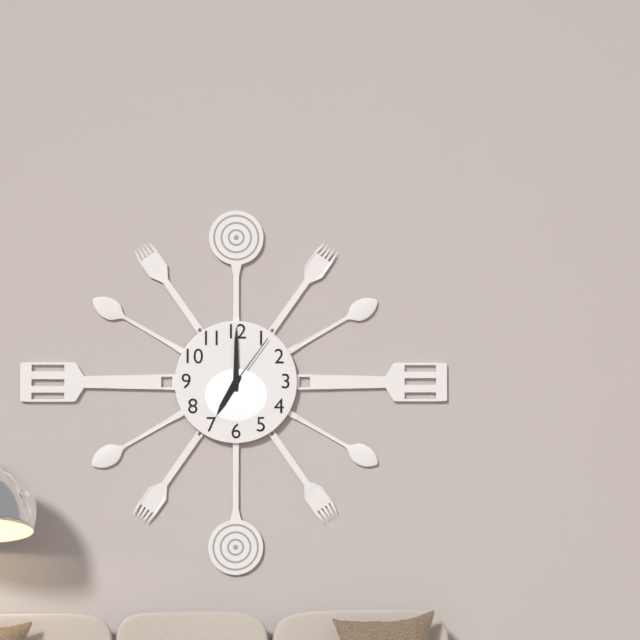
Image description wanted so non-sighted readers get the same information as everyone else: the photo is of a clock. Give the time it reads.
7:00:06
